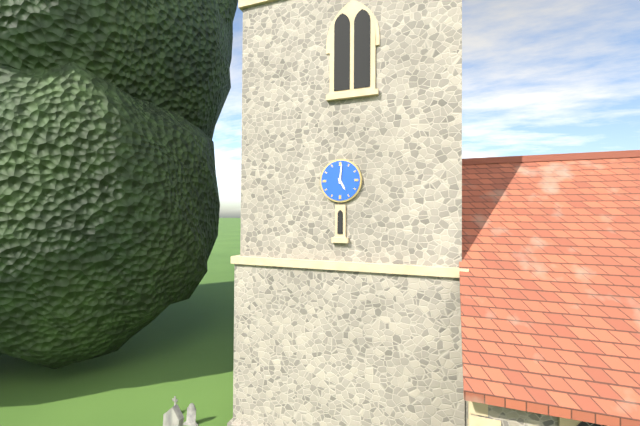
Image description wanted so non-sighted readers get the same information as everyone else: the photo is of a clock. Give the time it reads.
5:01
